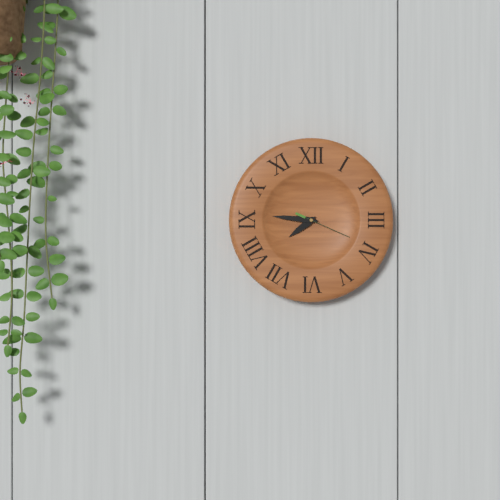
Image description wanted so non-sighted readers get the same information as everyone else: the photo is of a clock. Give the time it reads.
7:46:19
